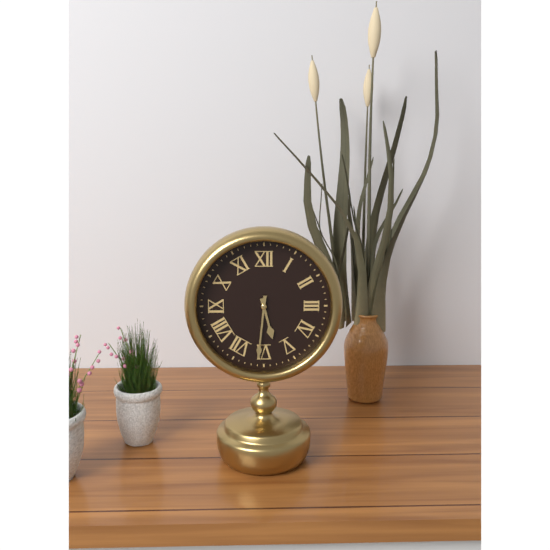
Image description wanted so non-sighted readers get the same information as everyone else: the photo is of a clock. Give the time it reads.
5:31
